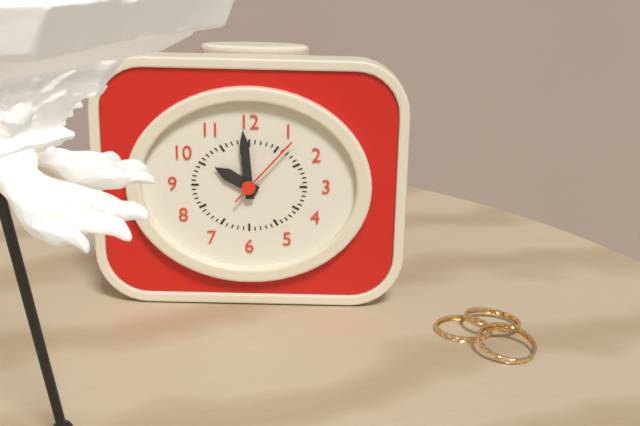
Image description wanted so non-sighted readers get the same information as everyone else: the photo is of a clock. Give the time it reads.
9:59:07
